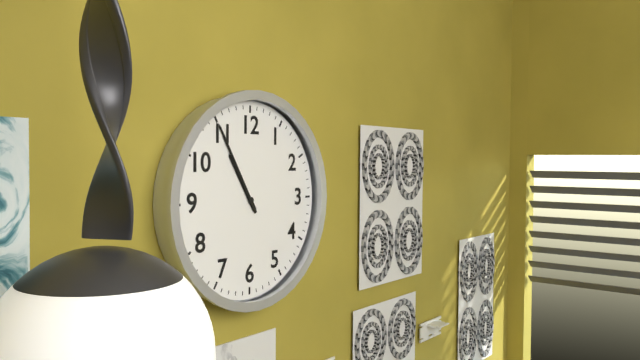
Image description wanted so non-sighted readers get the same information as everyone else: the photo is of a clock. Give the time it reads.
10:55
